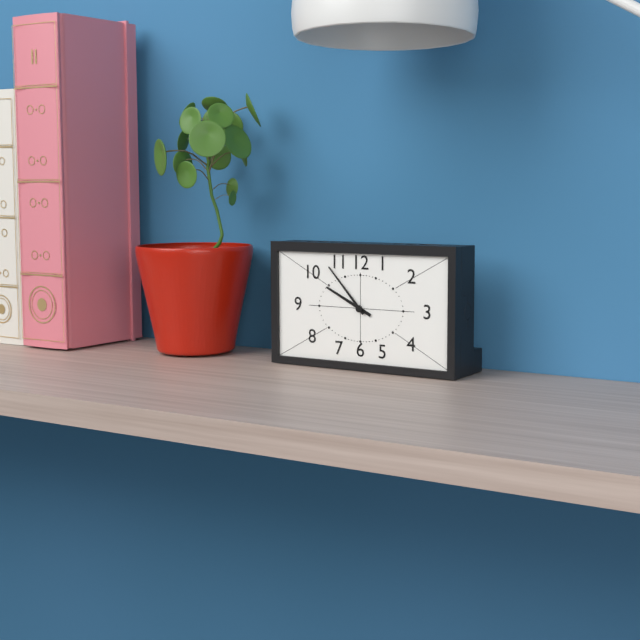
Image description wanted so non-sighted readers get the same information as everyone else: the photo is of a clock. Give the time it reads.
9:53
